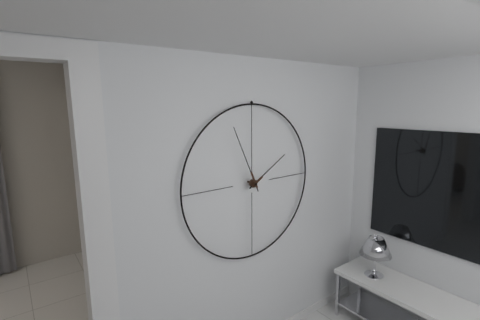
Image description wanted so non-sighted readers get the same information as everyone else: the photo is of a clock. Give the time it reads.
1:56
